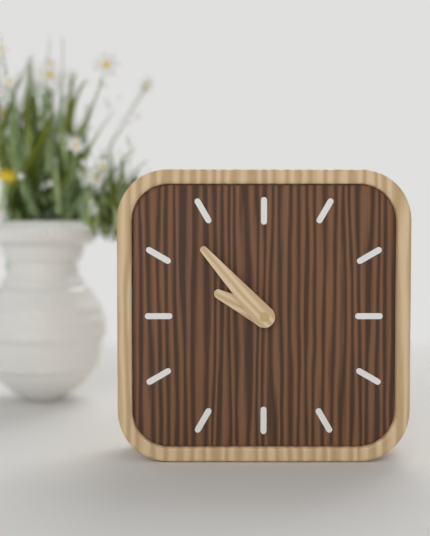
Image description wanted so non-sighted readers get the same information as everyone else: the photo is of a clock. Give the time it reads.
9:53
